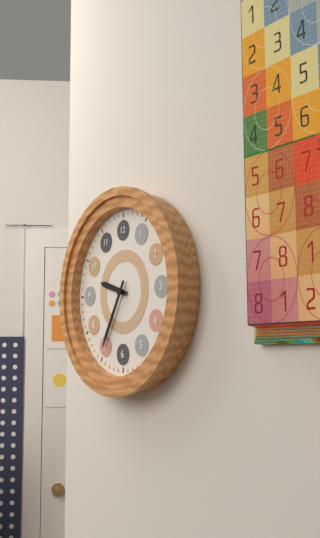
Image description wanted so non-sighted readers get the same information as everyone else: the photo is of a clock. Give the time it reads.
9:35
